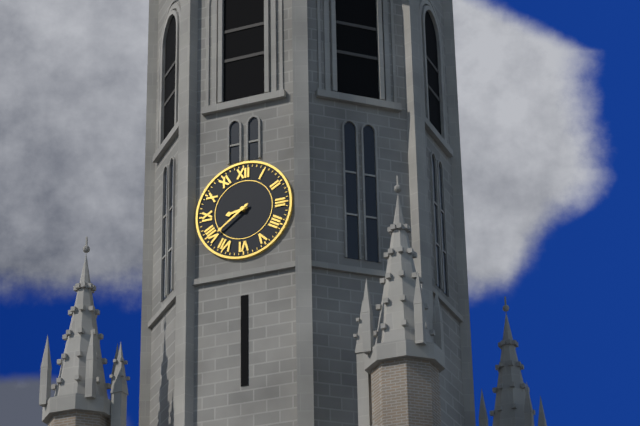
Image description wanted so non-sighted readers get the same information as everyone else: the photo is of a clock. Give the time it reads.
8:39
